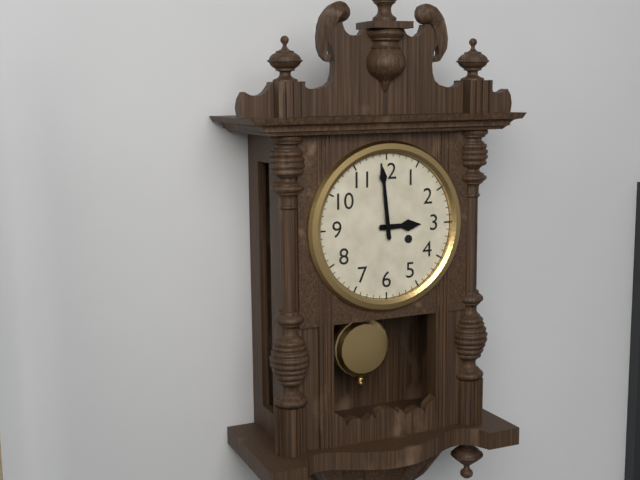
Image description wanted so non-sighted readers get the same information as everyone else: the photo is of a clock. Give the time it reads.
2:59
